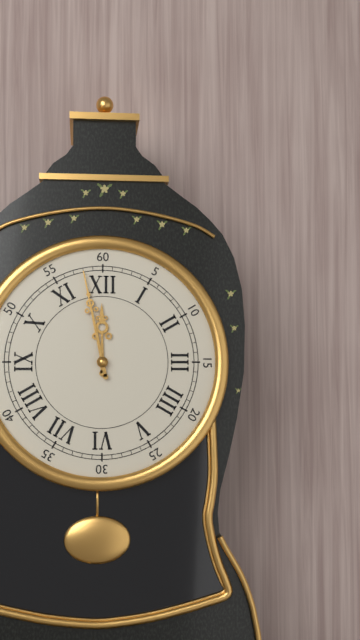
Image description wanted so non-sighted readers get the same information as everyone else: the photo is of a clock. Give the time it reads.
11:58
